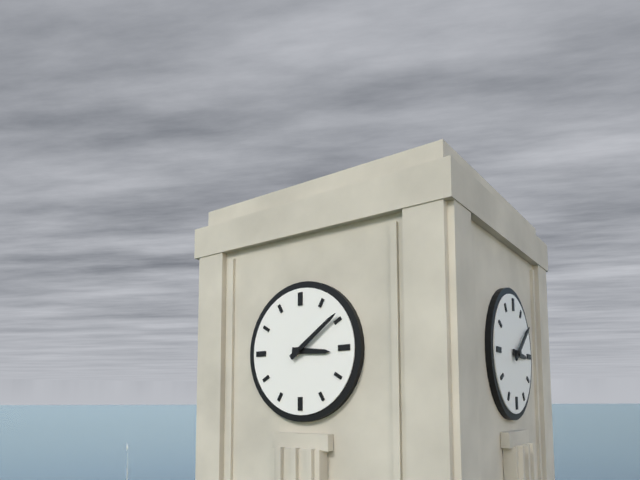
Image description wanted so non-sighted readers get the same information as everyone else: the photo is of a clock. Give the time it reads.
3:09
